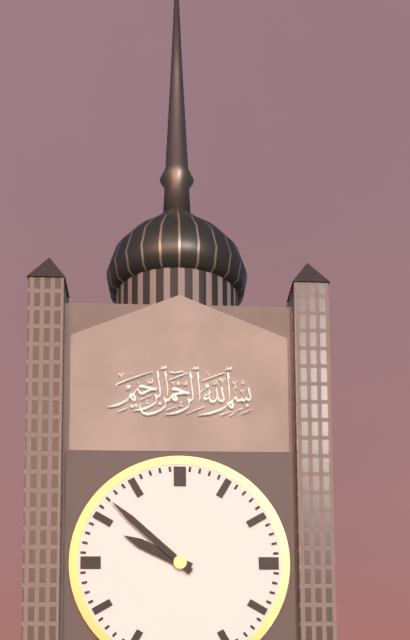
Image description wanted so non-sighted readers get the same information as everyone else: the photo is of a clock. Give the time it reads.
9:52
